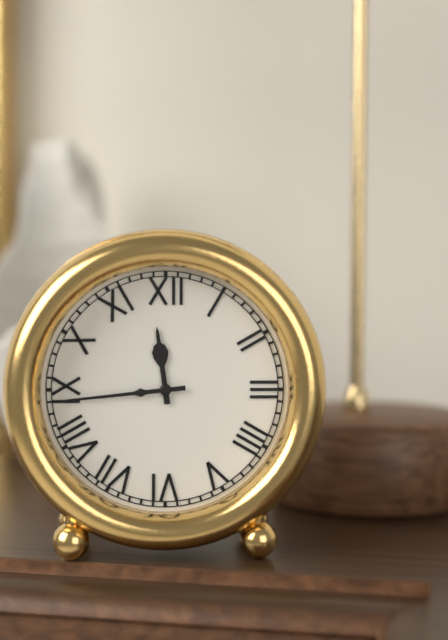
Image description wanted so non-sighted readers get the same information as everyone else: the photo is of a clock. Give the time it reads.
11:44
